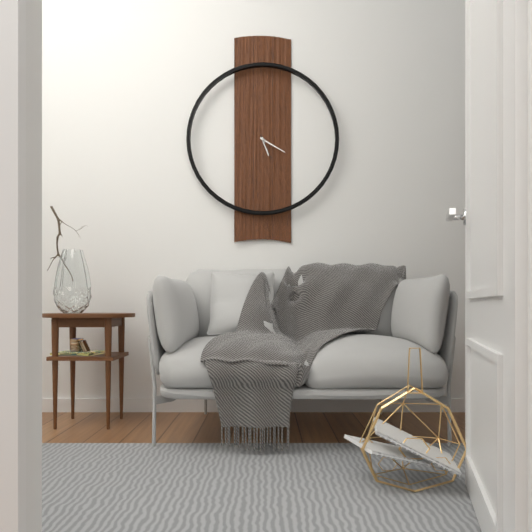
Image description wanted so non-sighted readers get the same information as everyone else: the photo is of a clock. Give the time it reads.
5:20
